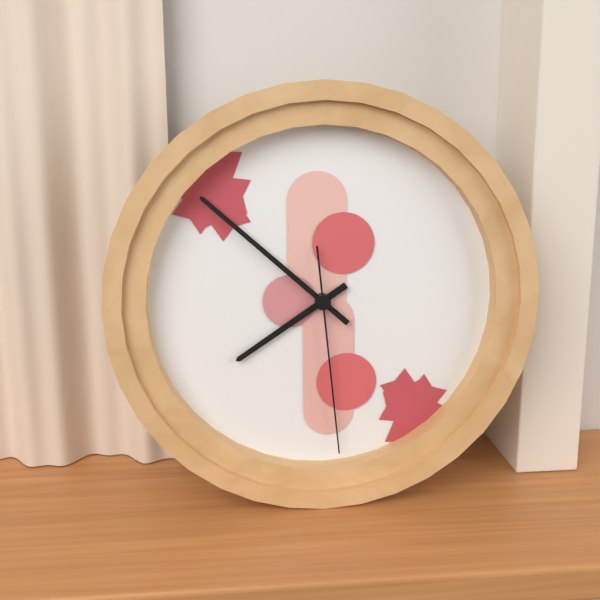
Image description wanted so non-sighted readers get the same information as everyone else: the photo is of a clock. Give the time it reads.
7:52:29
